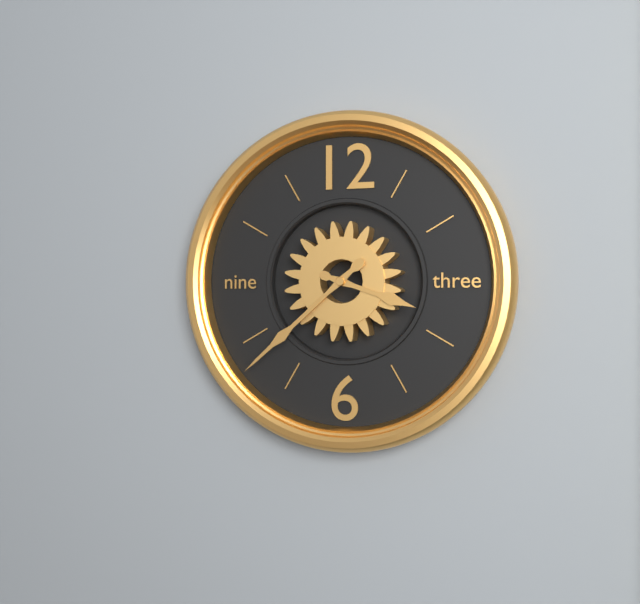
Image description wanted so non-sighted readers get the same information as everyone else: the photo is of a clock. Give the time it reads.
3:38
